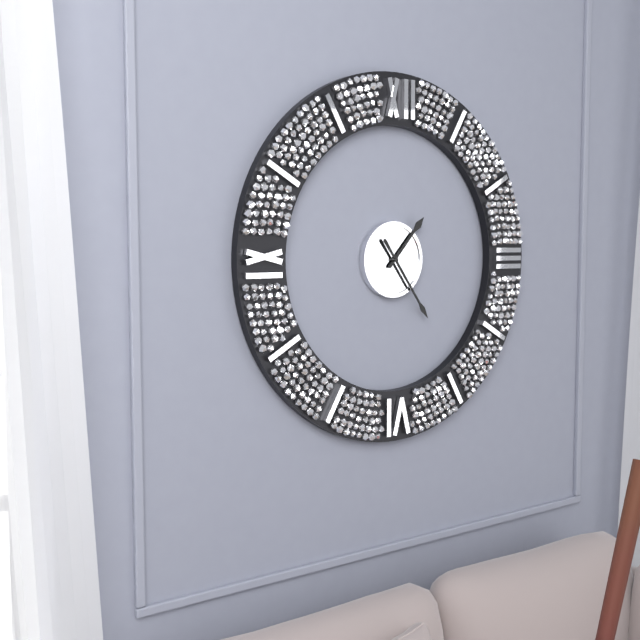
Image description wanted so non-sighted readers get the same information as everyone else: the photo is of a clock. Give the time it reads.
1:24
